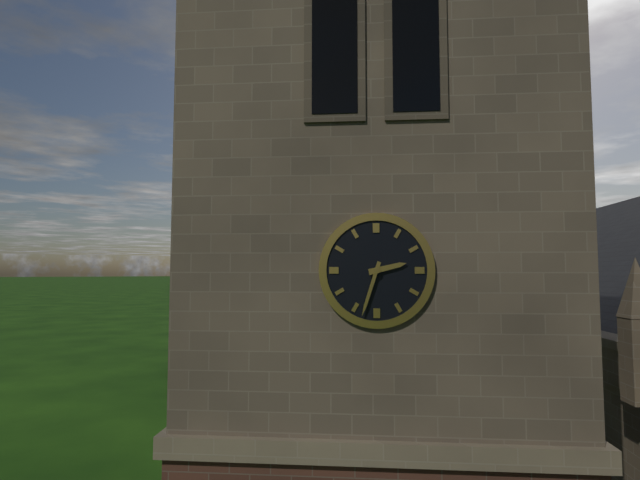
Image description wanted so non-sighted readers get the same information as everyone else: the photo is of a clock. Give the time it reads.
2:33
